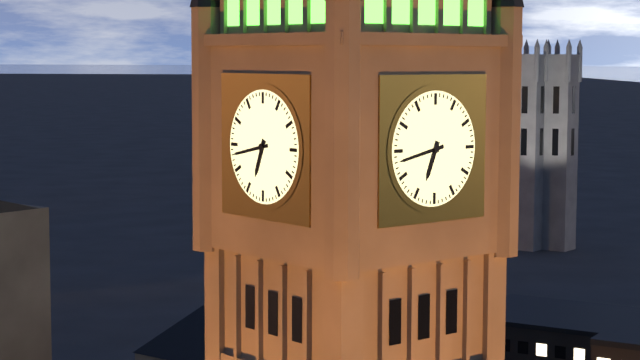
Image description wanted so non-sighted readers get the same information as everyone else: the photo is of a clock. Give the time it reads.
6:43
